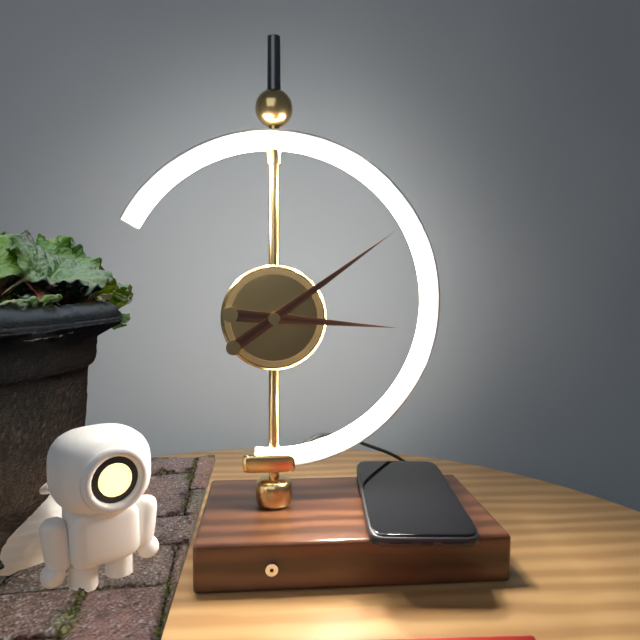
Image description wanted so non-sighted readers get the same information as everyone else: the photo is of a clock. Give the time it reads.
3:09
